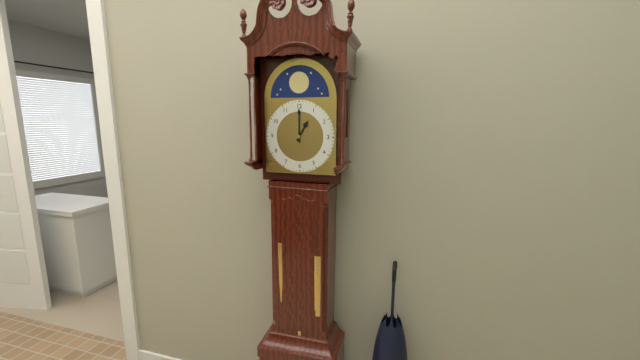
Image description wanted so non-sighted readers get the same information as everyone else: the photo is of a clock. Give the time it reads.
1:00
